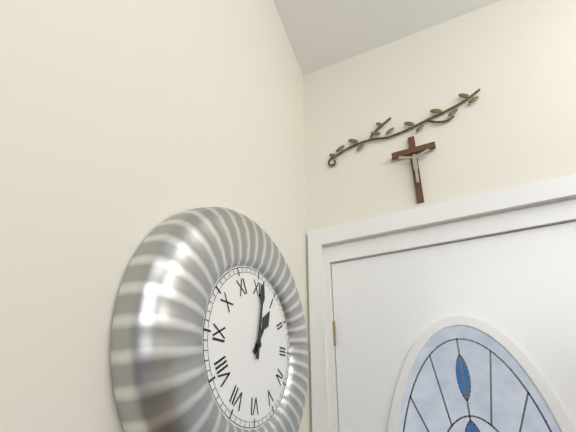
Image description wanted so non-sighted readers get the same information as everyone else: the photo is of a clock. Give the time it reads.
1:01
